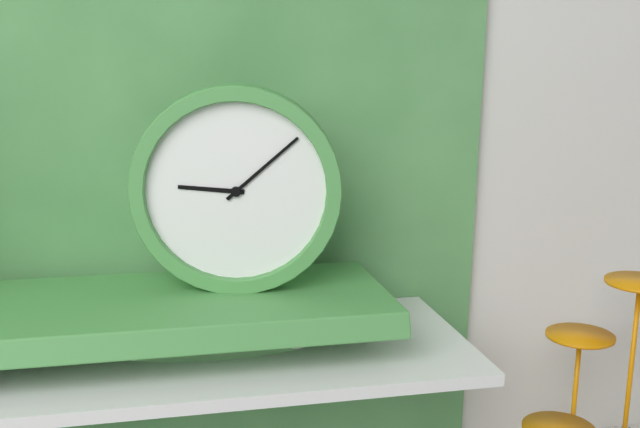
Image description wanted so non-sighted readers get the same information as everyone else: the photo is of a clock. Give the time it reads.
9:08
